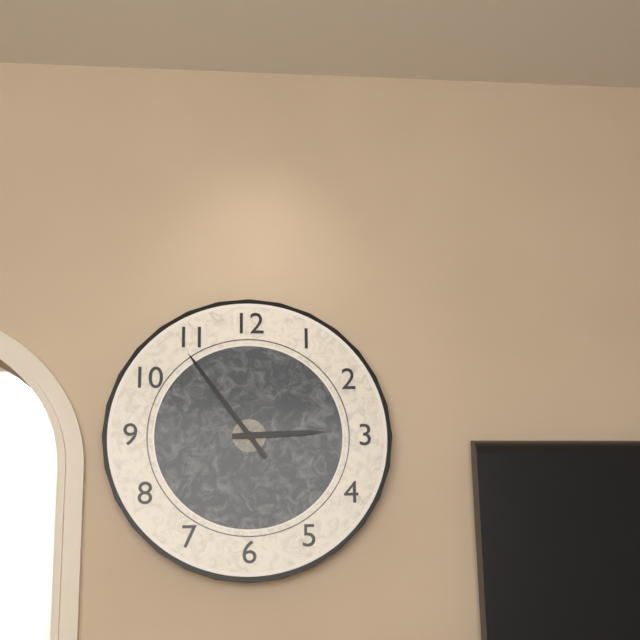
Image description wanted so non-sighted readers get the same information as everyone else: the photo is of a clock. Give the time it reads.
2:54
